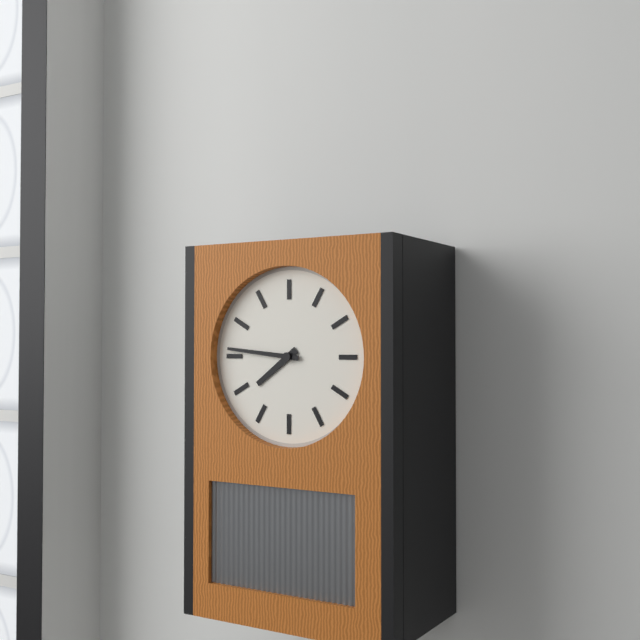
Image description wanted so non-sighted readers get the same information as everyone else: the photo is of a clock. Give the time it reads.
7:46
